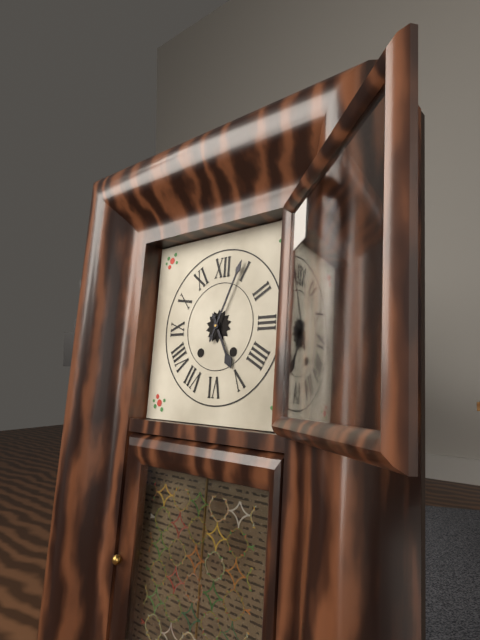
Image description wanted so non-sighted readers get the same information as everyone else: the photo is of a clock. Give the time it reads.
5:04
